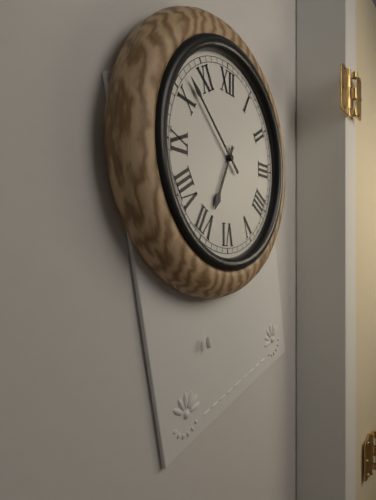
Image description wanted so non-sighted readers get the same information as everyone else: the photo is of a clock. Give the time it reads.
6:52
